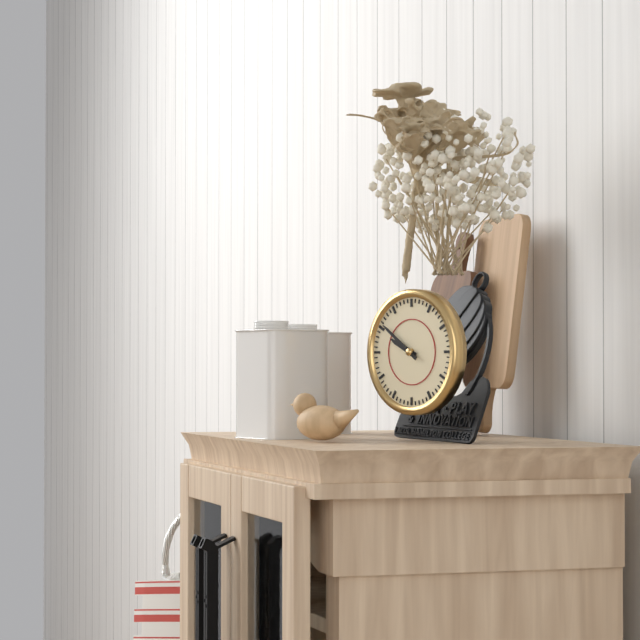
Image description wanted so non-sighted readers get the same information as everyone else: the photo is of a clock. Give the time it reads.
9:51
